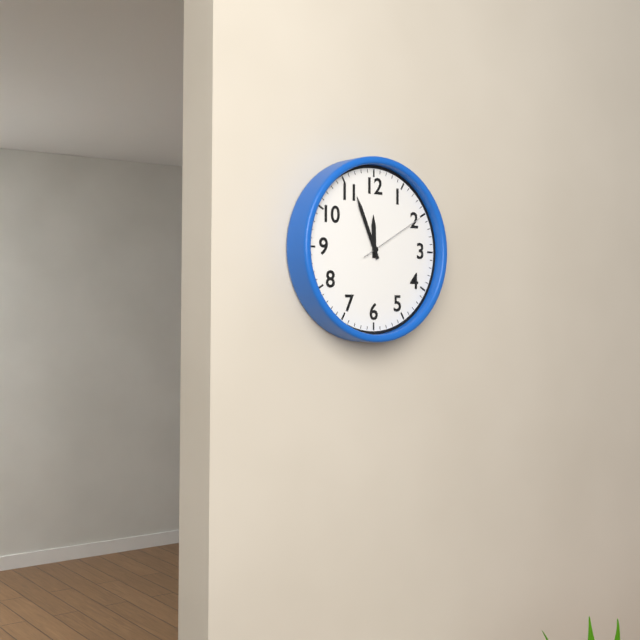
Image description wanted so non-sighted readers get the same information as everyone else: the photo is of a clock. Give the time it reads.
11:56:10
